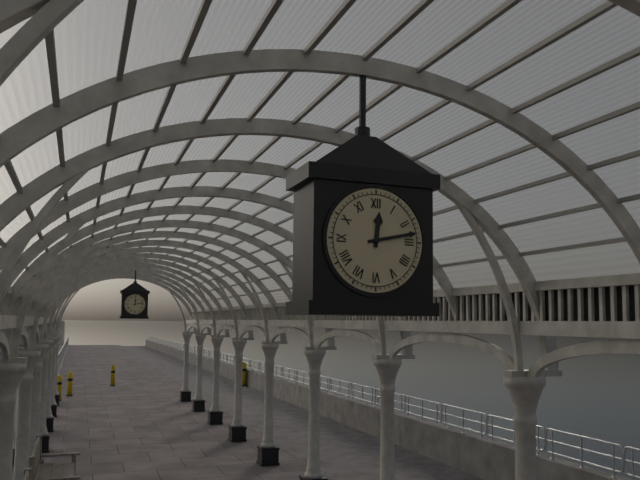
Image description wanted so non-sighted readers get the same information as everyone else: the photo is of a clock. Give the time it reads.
12:13
